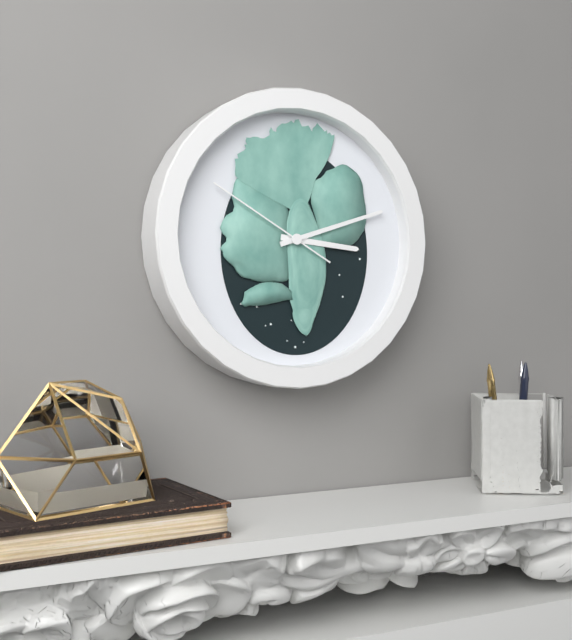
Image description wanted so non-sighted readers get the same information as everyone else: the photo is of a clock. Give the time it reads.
3:12:50
